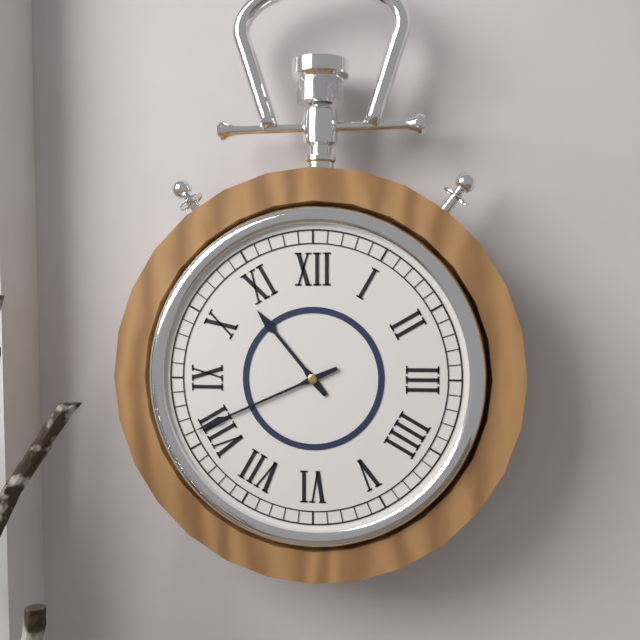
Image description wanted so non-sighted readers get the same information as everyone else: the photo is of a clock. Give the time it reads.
10:41
